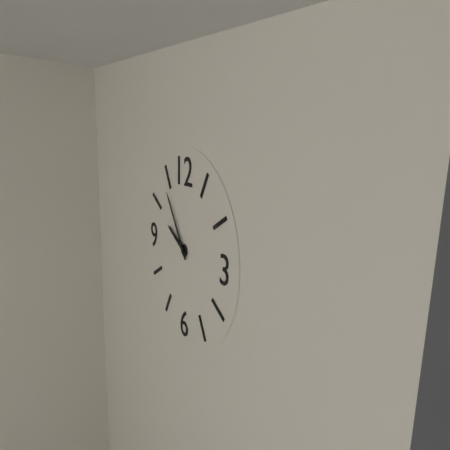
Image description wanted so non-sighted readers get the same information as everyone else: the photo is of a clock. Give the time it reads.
9:54
